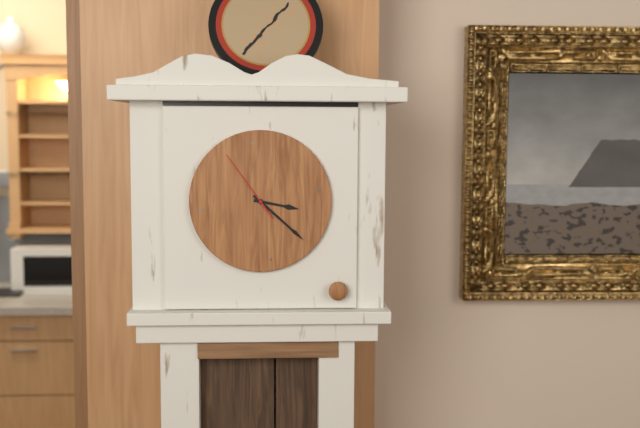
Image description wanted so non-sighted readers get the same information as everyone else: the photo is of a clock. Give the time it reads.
3:22:54
